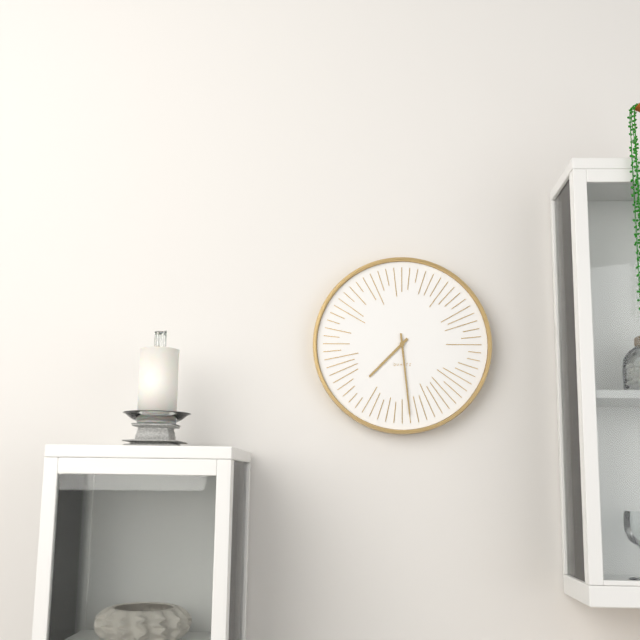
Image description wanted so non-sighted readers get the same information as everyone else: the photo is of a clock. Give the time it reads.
7:29
